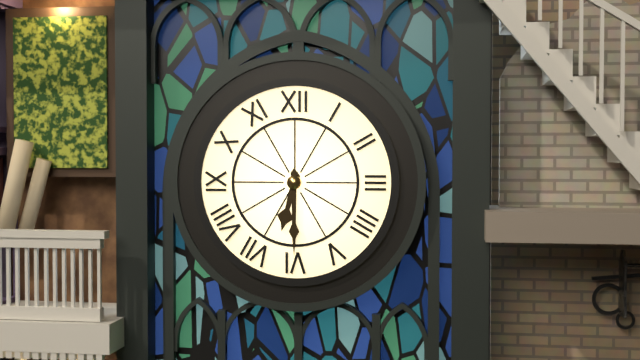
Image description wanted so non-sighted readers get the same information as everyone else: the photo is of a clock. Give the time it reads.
6:30
